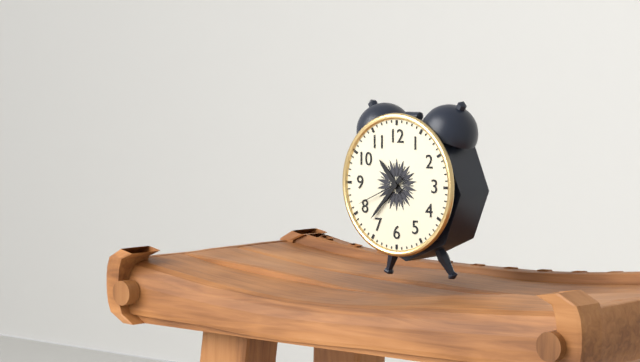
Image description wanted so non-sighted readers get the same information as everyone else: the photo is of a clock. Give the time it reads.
10:37:41
